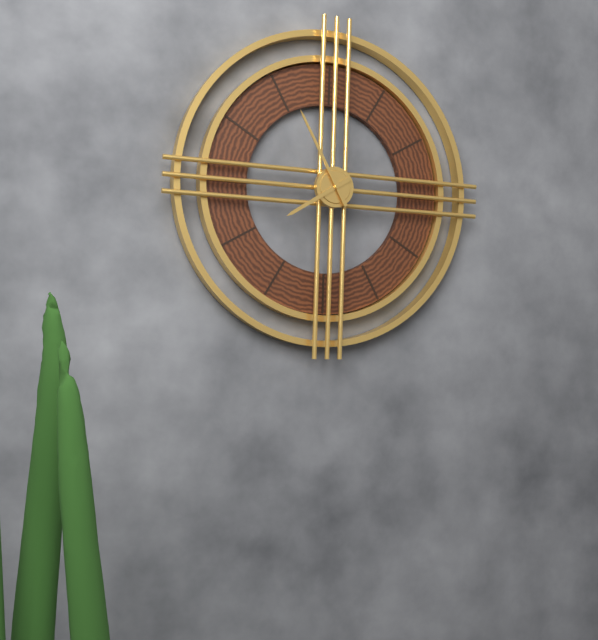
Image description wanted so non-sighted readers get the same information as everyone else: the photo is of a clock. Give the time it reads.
7:55
